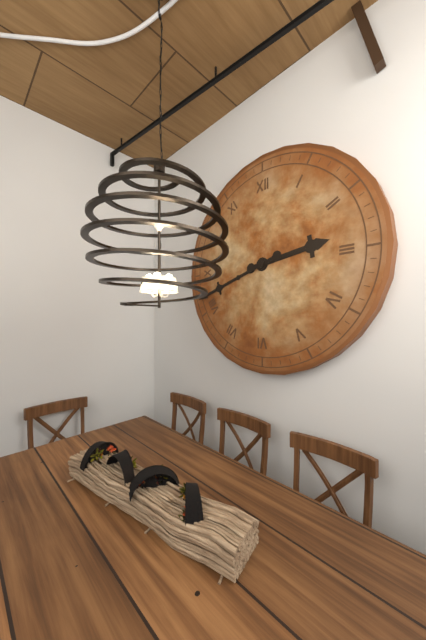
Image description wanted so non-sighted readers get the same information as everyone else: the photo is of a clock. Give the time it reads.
2:42
